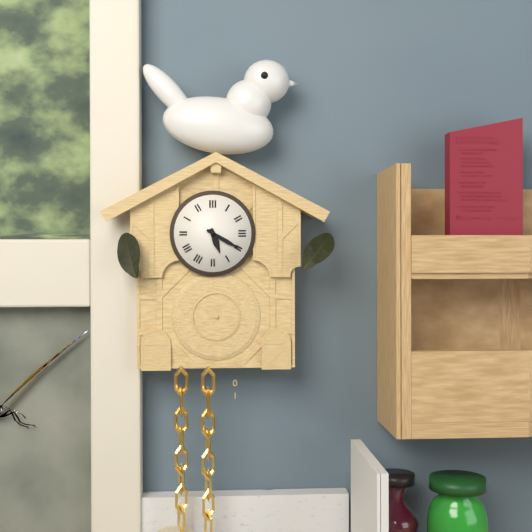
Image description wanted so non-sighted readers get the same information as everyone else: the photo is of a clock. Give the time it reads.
5:20
